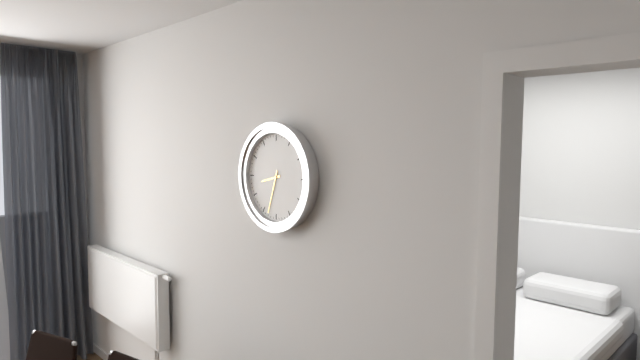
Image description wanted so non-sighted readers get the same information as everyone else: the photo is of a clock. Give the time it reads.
8:33
